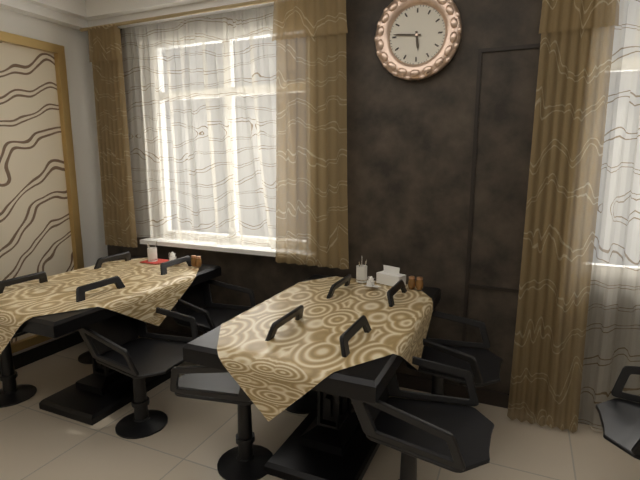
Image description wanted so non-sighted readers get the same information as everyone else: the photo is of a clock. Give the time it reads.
5:46
